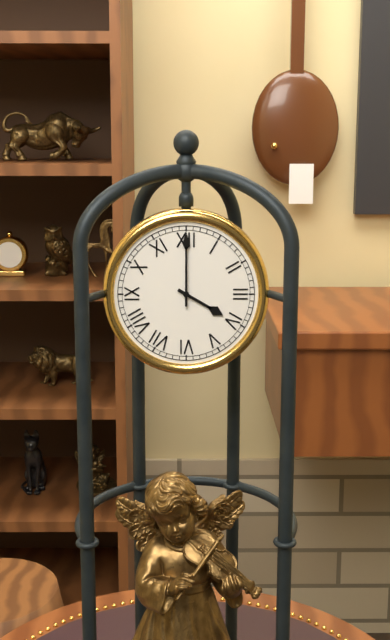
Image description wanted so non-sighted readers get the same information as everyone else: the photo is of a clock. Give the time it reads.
4:00
